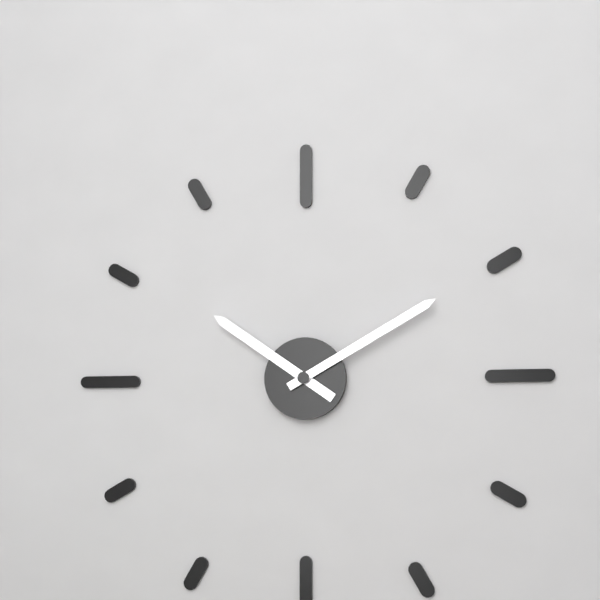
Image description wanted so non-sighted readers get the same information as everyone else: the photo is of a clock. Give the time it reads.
10:10
